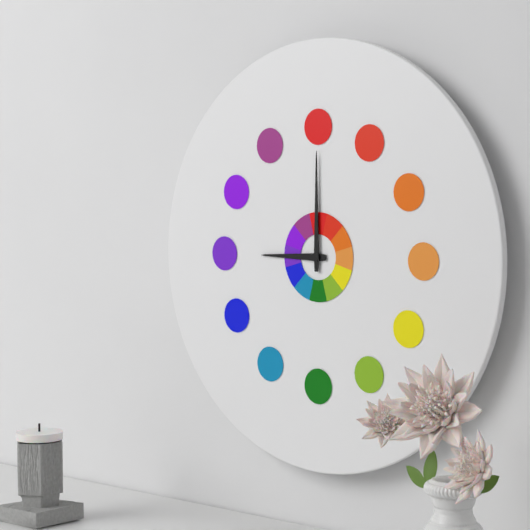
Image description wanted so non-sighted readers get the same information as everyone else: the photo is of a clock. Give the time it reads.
9:00
